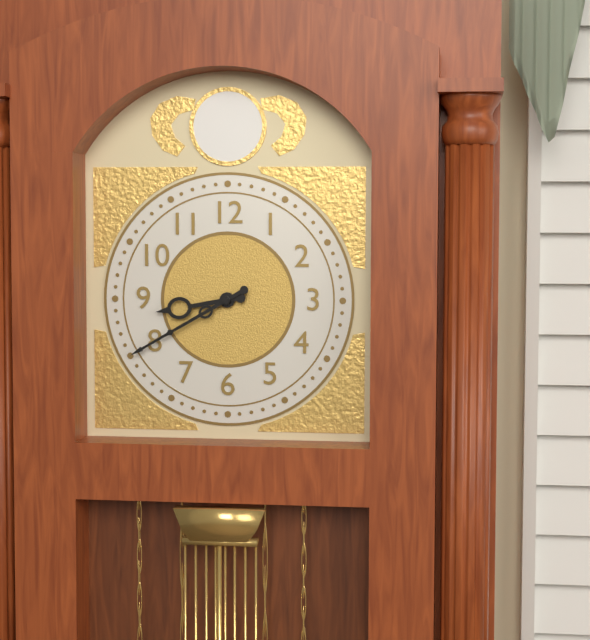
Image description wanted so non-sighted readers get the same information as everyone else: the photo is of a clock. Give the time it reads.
8:40
